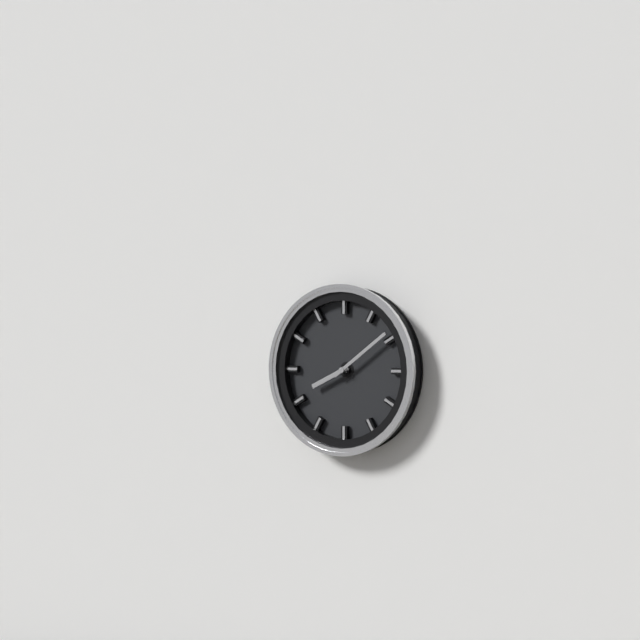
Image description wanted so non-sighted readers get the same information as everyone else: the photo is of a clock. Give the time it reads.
8:09
